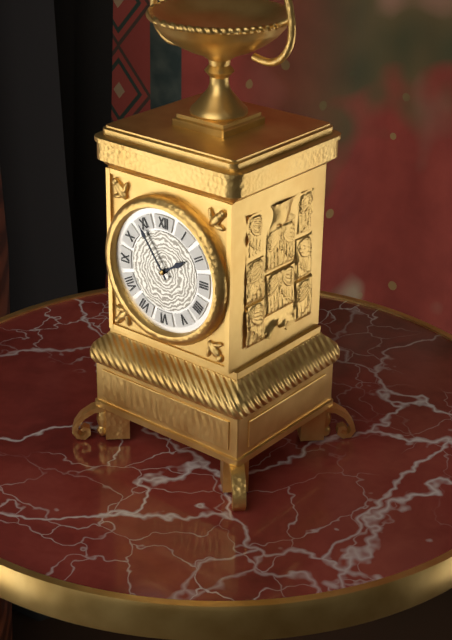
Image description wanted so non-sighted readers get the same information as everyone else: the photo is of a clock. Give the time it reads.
1:54
